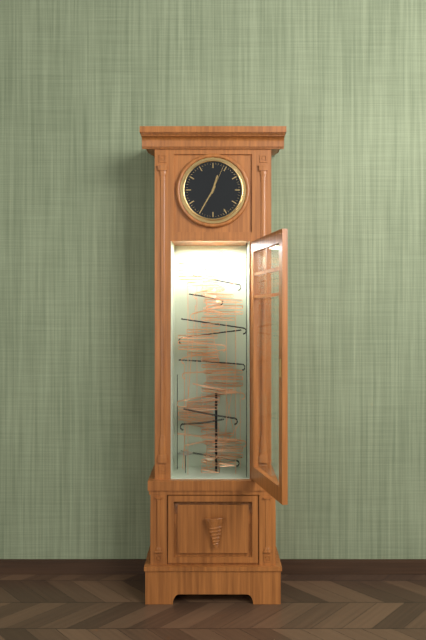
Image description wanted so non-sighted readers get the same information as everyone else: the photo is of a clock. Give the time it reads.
12:35
